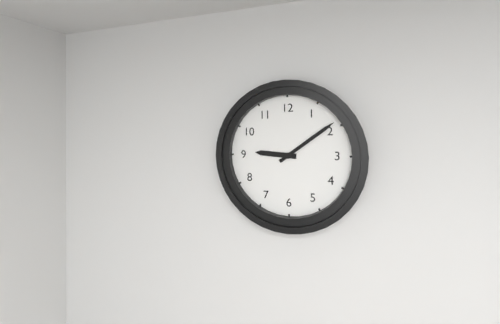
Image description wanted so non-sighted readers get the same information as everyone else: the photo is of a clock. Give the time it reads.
9:09
